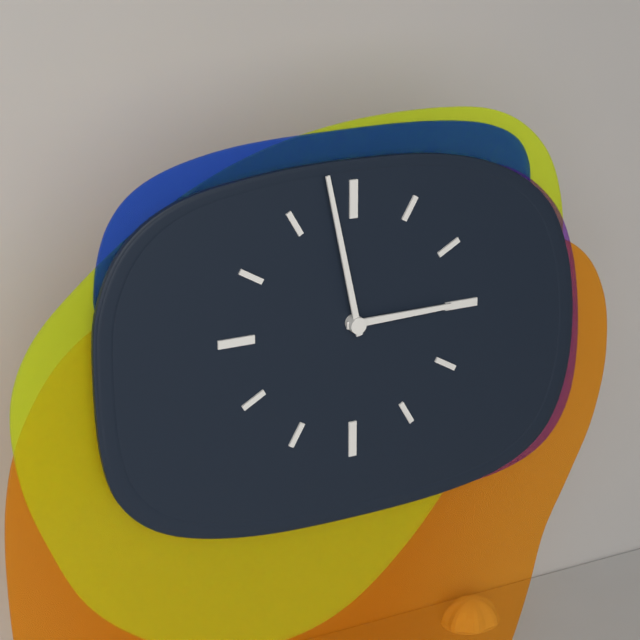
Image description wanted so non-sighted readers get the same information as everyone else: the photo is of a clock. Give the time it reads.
2:58
